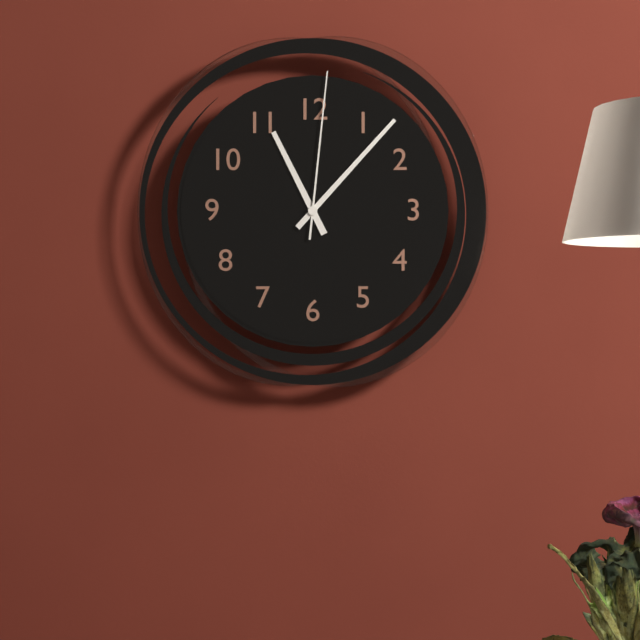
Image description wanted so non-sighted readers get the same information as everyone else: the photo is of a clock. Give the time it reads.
11:07:01
